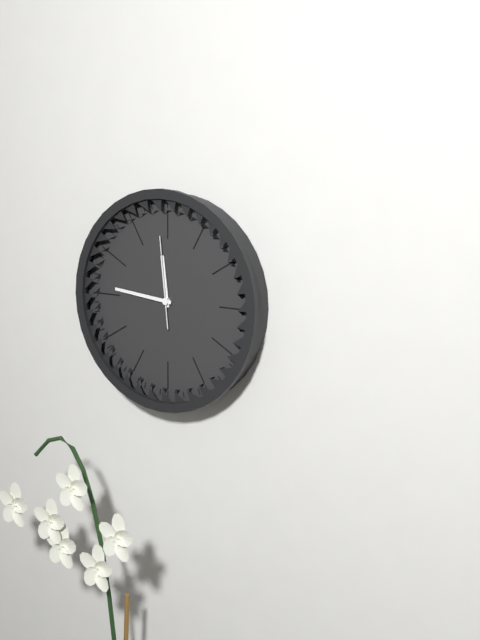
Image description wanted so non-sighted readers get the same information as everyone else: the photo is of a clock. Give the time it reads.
11:46:59
